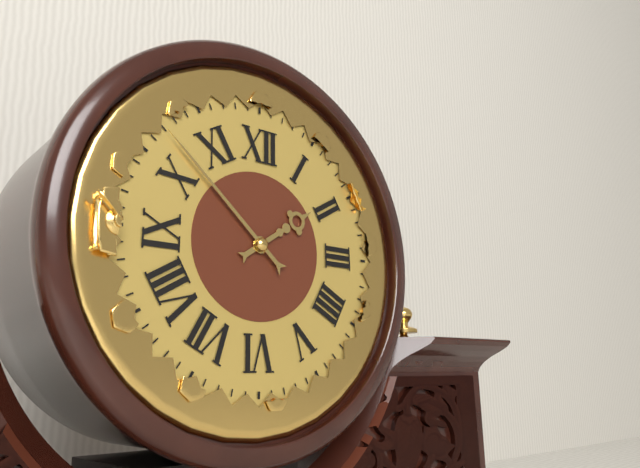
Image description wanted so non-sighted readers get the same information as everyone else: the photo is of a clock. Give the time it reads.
1:52
